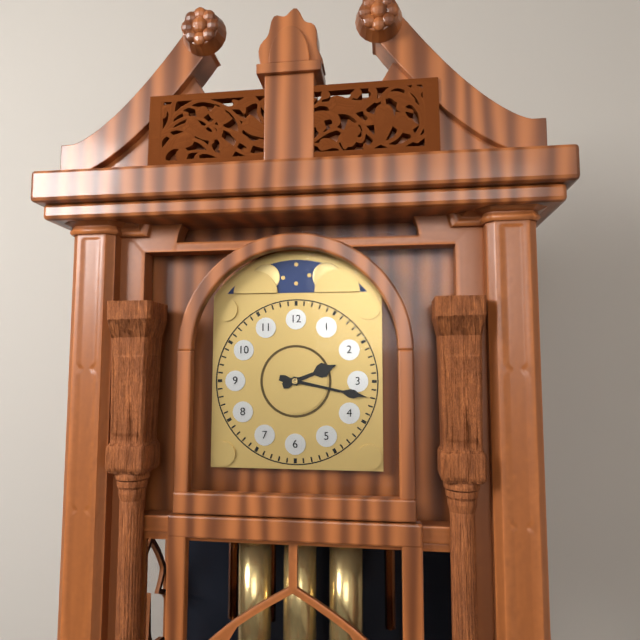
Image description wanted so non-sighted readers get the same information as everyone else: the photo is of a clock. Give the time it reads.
2:17
